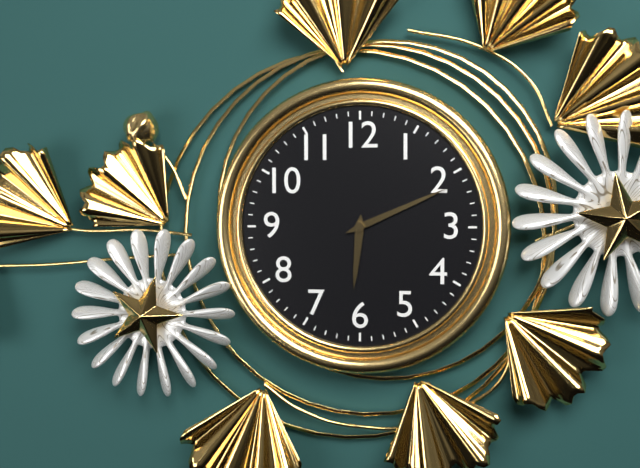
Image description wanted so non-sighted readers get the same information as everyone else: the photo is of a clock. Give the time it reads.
6:11
